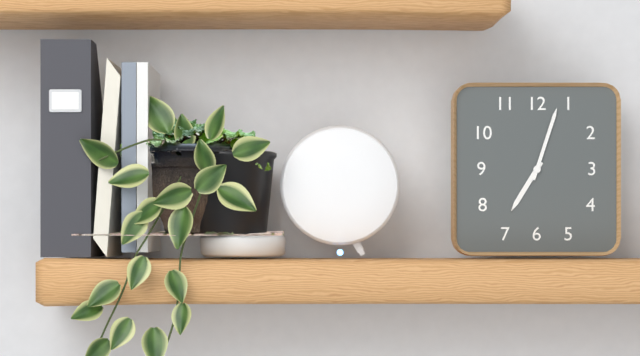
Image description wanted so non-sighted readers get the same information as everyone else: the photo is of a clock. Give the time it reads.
7:03
